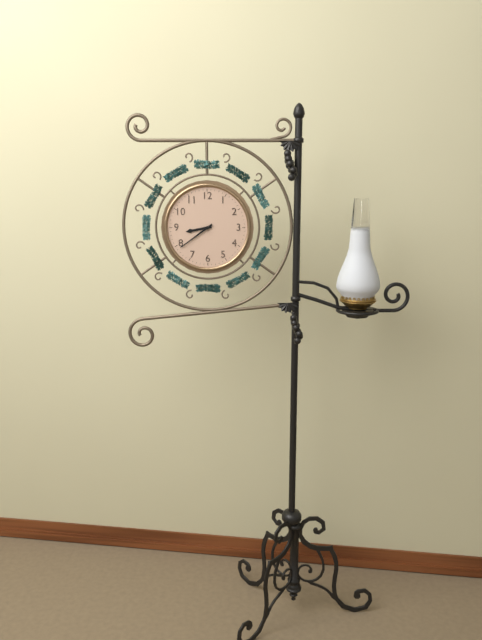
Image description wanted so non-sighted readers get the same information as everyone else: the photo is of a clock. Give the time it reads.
8:39
